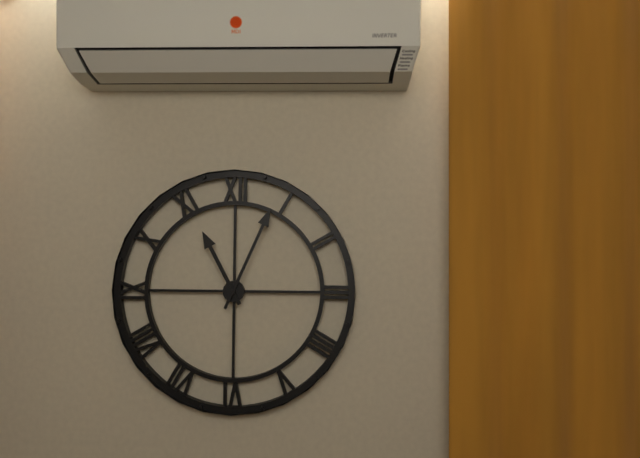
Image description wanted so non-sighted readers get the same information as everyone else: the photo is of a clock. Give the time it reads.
11:04
